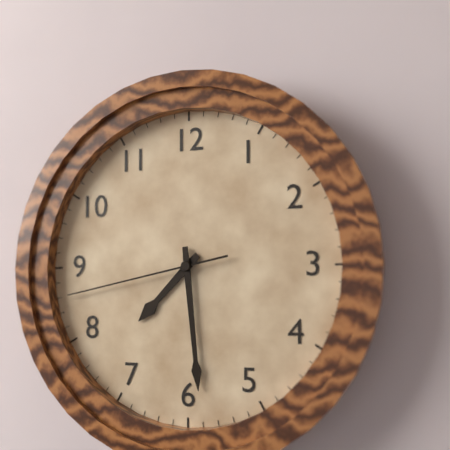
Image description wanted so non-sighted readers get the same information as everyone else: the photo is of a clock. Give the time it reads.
7:29:43
